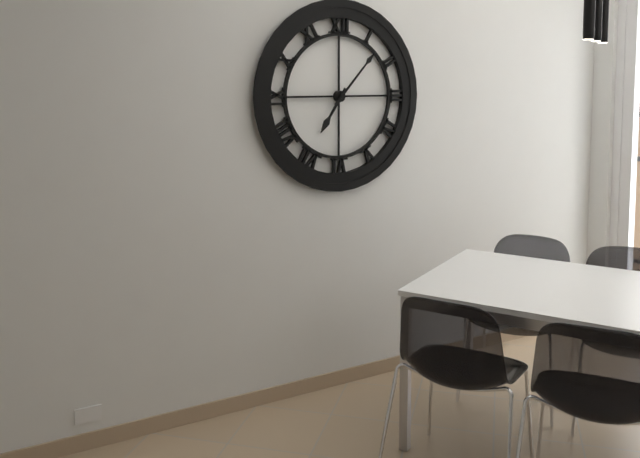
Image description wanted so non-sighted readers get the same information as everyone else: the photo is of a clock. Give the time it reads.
7:07
